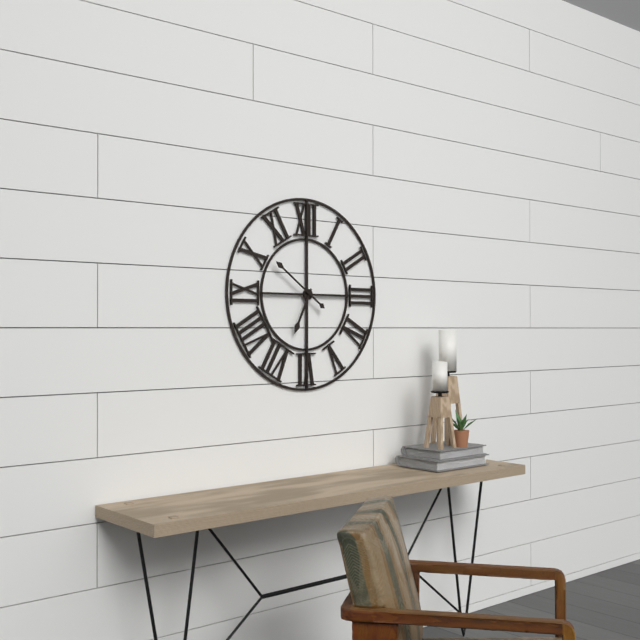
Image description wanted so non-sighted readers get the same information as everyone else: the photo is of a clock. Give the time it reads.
6:51
